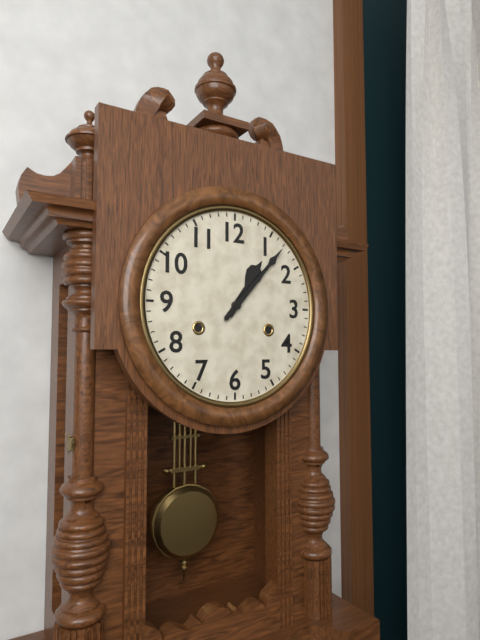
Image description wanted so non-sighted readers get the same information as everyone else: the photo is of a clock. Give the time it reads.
1:07
